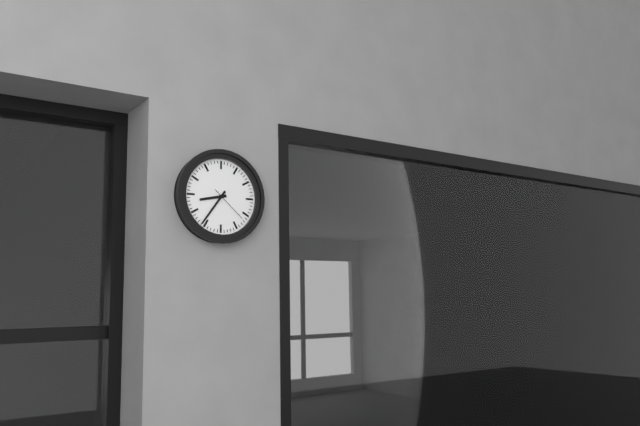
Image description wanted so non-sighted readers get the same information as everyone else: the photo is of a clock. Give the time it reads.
8:36
